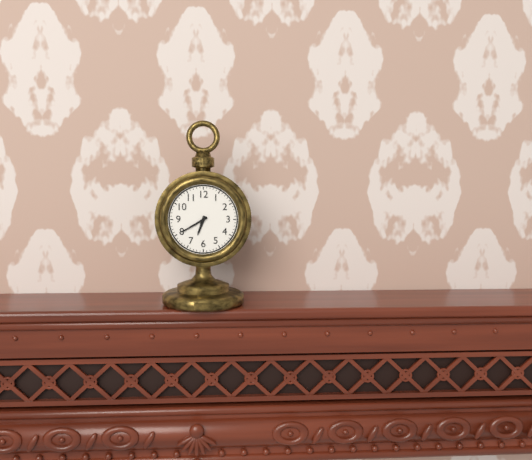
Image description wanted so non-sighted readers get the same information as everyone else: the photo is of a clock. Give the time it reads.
6:40
